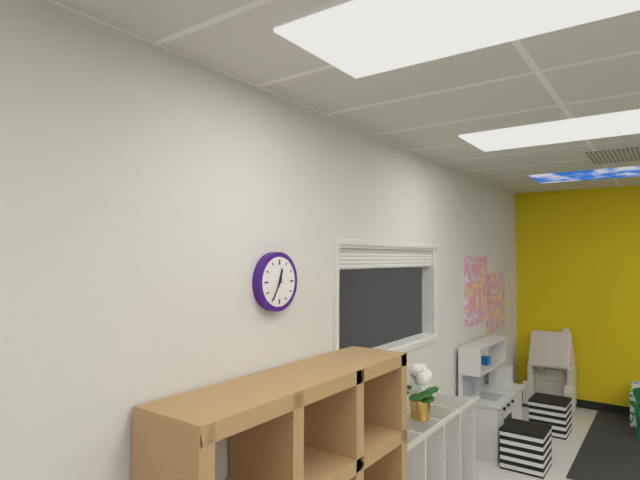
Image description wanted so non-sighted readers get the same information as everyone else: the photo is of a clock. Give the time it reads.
12:35
